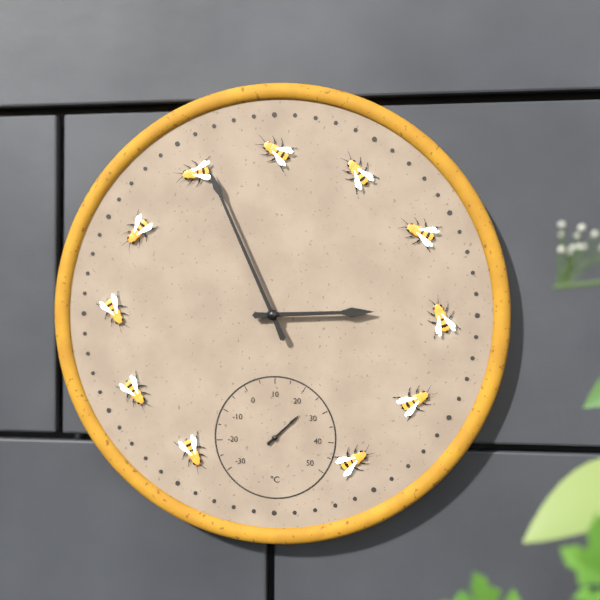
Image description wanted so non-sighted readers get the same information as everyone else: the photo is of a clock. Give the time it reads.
2:56
